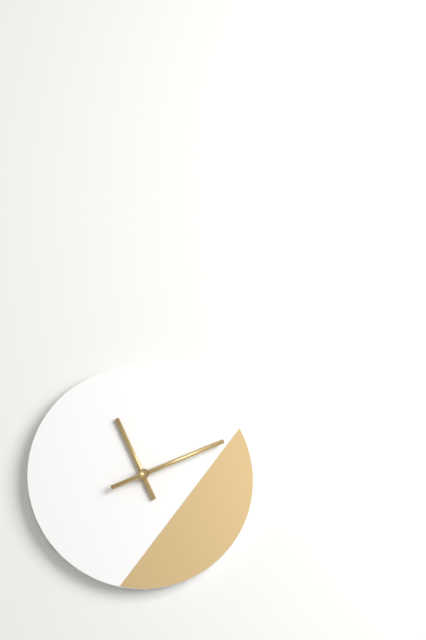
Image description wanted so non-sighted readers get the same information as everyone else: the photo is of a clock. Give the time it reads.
11:11
